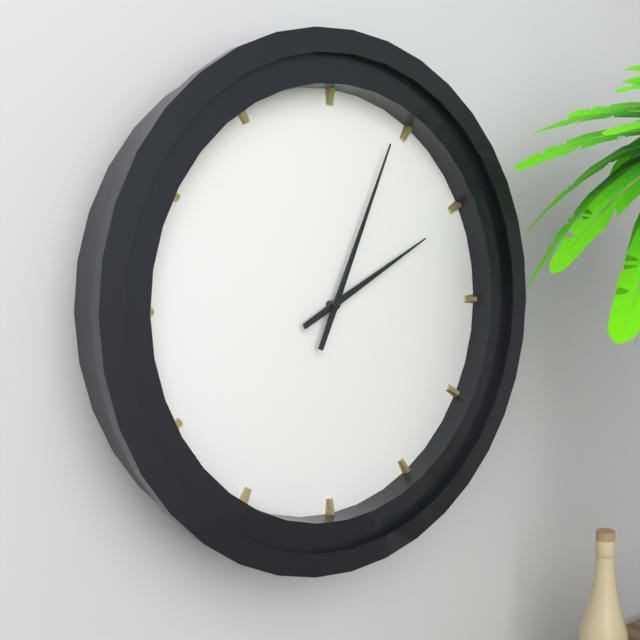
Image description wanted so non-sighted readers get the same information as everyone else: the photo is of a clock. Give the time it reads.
2:04
